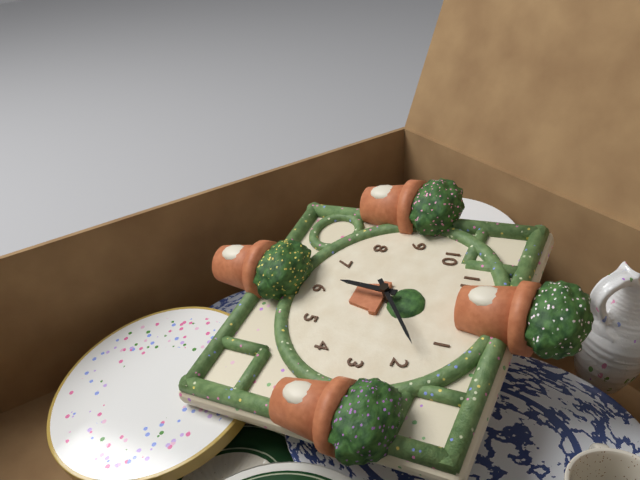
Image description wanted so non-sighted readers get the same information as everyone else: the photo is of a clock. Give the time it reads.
6:08
